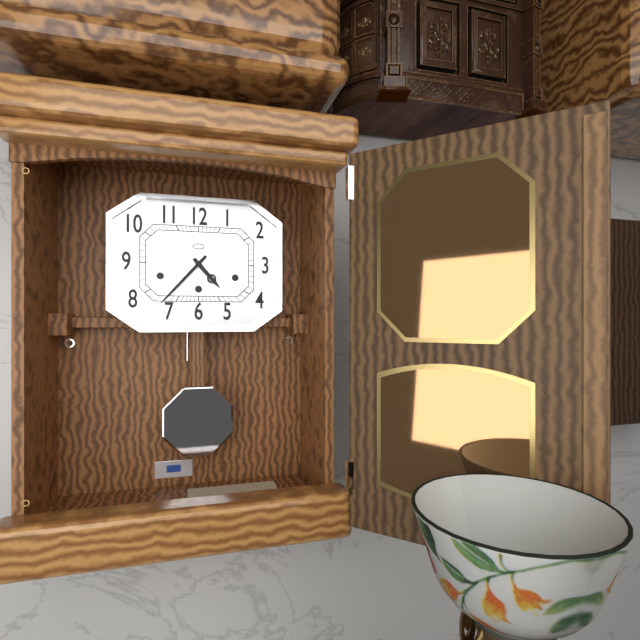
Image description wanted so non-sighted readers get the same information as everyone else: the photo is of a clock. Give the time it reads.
4:37
